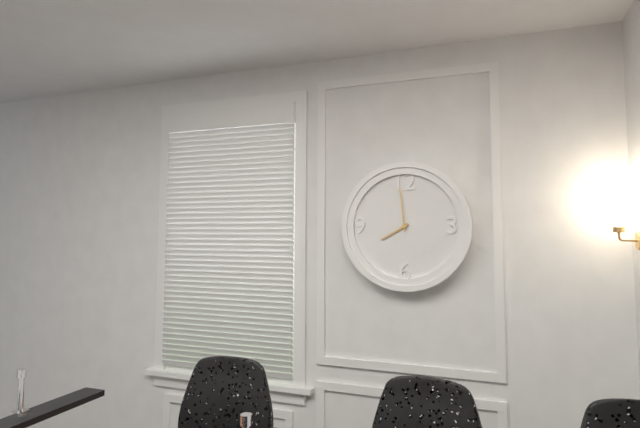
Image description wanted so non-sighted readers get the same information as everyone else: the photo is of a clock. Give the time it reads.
7:59
